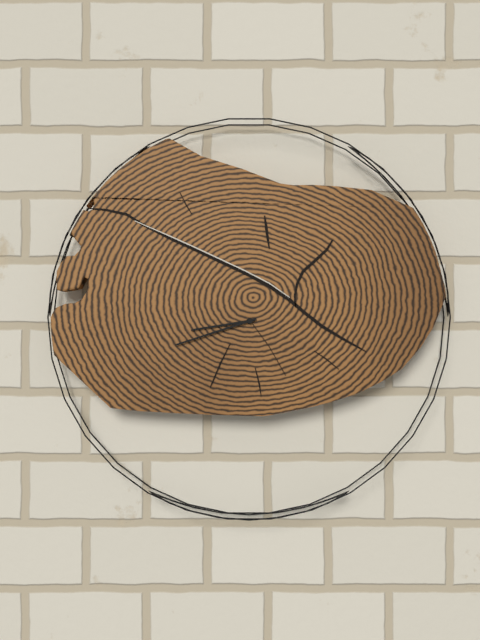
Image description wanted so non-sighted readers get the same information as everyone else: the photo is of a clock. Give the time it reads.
8:42
